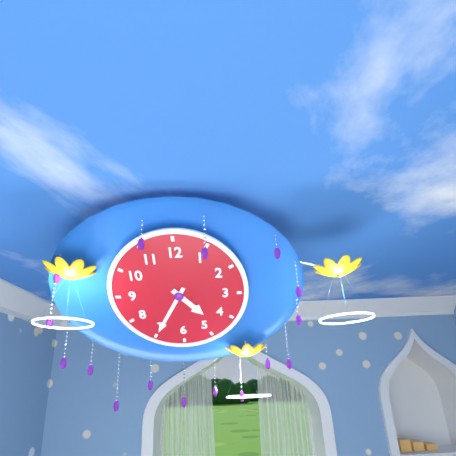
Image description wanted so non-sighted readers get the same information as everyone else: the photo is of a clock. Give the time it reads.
4:35
